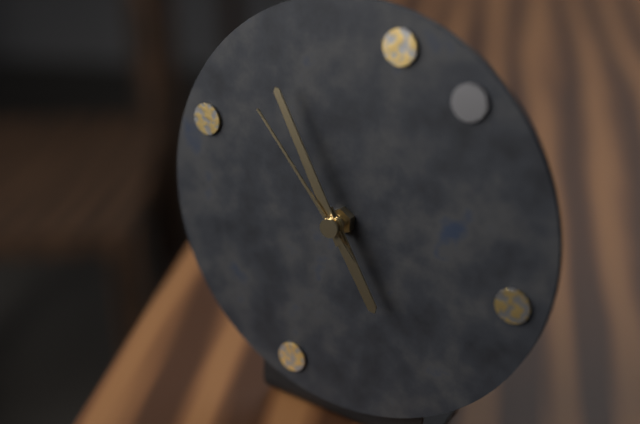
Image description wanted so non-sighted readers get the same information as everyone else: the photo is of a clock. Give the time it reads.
4:55:53
